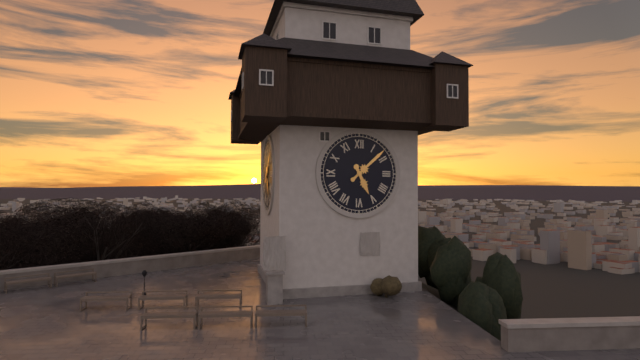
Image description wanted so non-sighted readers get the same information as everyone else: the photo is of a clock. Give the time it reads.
5:08
